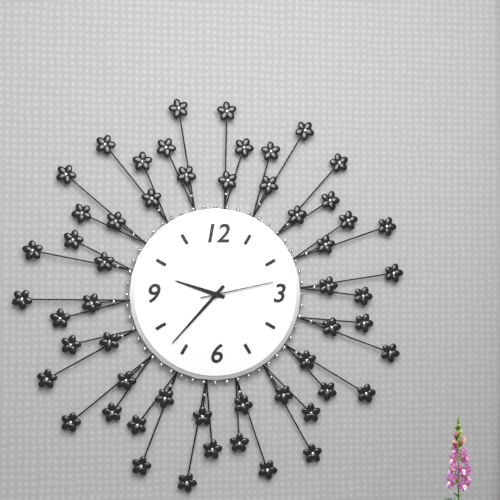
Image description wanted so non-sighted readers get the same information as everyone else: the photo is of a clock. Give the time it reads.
9:37:13
